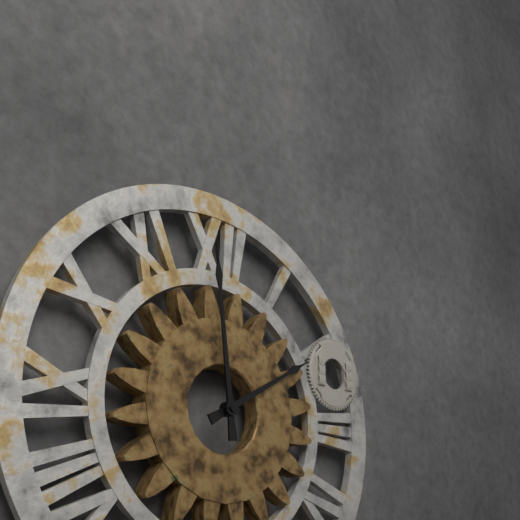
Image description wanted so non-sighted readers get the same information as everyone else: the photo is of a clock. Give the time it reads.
1:59
